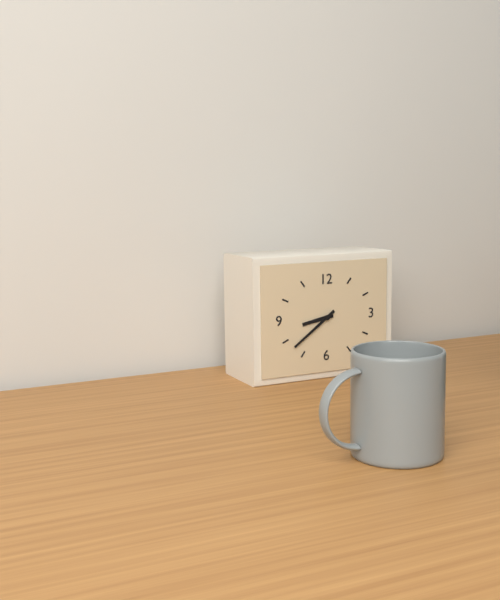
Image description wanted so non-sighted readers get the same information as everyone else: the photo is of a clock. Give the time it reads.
8:39
